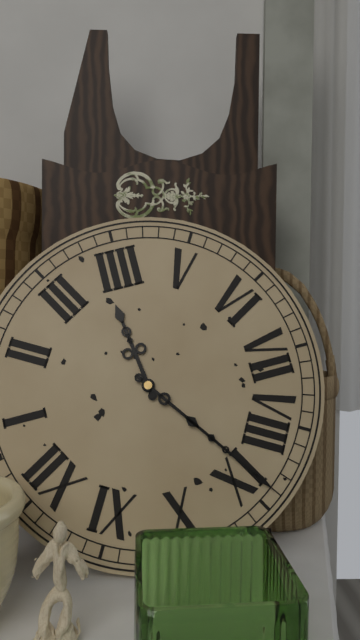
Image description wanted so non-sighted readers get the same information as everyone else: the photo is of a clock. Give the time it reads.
3:44
